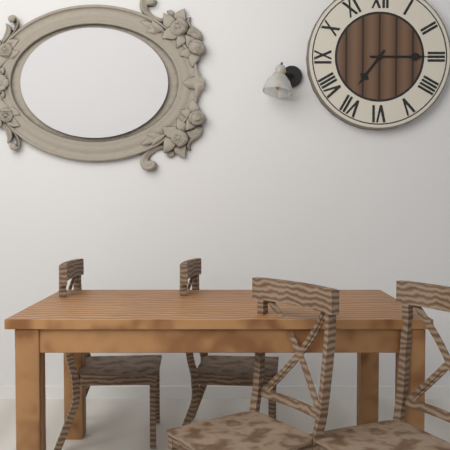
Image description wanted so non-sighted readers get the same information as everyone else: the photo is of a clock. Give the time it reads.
7:15
